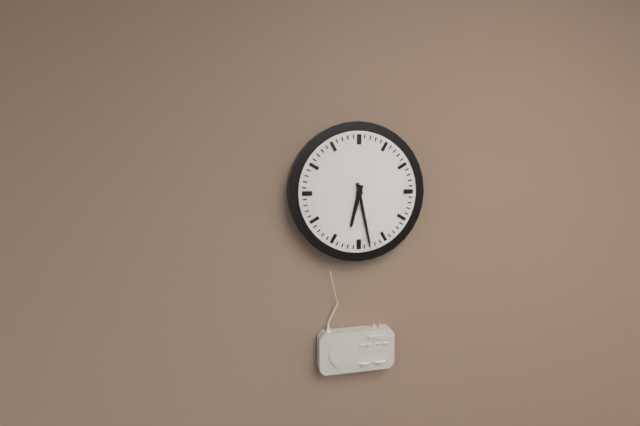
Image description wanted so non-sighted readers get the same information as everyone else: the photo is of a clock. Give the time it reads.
6:28
